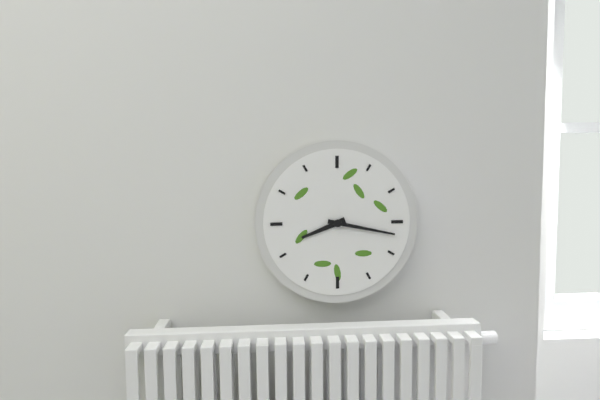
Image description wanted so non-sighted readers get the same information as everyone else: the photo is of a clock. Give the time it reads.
8:17
